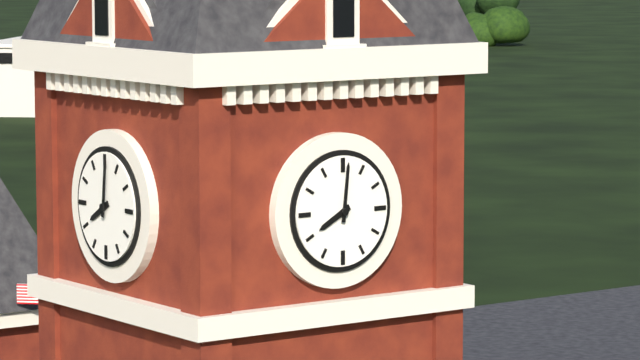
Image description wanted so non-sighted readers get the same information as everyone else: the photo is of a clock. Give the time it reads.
8:01
